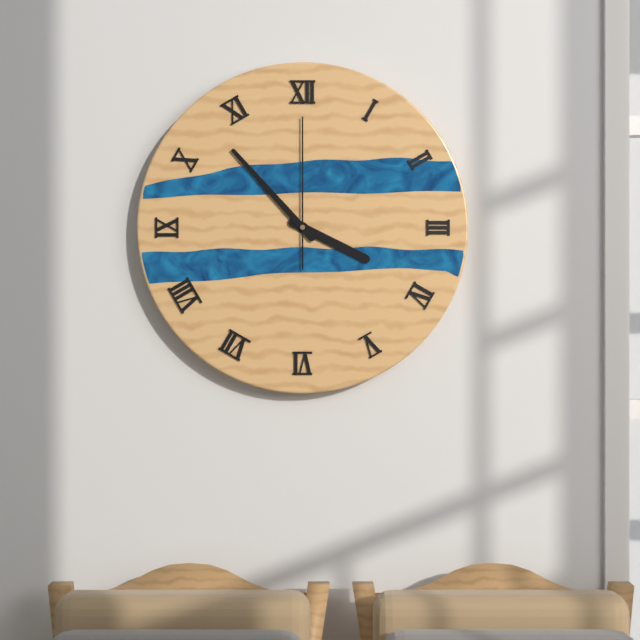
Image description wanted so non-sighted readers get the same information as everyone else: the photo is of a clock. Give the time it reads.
3:53:00
